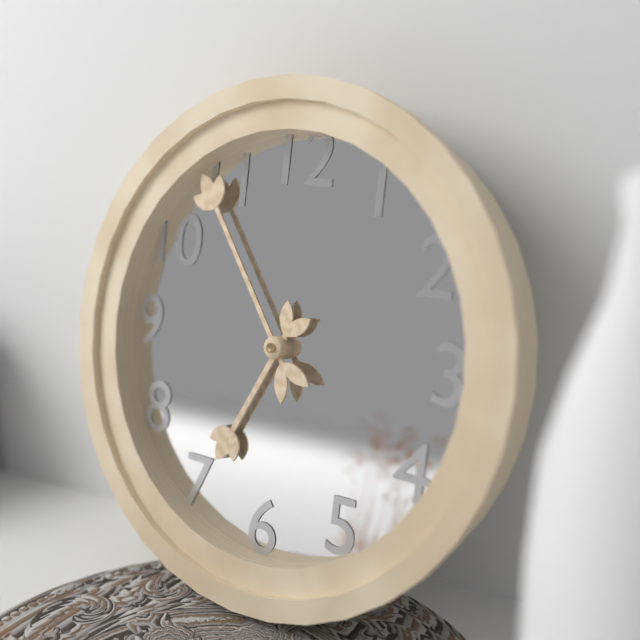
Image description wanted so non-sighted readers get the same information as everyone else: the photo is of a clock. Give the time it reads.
6:54
